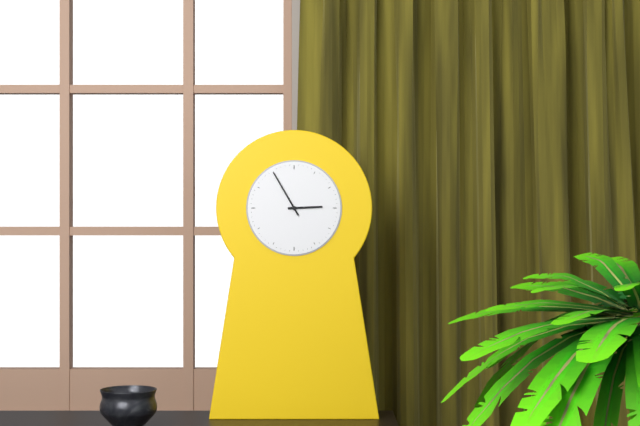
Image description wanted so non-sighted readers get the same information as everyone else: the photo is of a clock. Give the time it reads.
2:55
